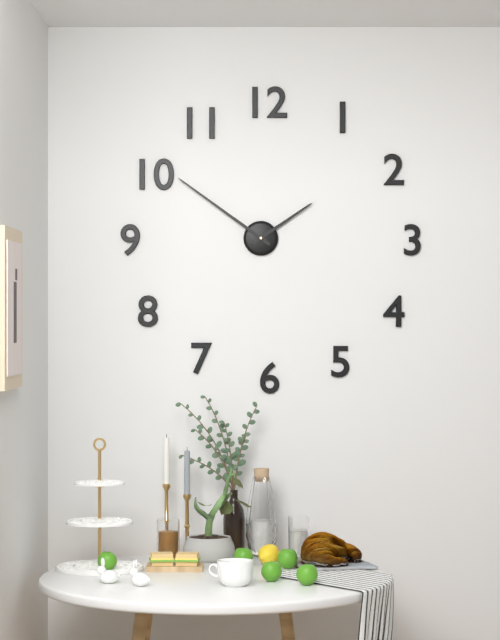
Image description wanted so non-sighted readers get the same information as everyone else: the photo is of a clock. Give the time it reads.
1:51
